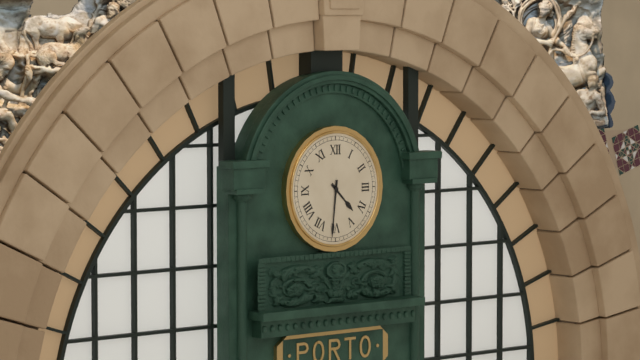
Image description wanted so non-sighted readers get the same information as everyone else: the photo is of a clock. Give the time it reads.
4:31
